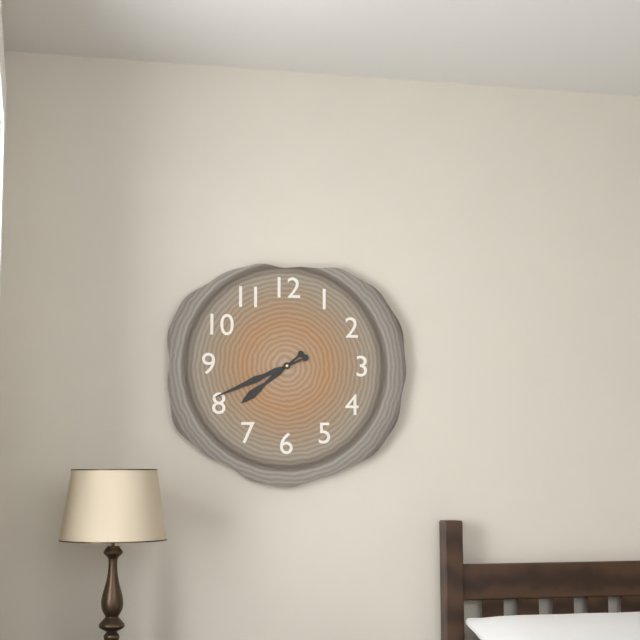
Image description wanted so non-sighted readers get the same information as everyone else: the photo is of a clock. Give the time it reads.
7:41
